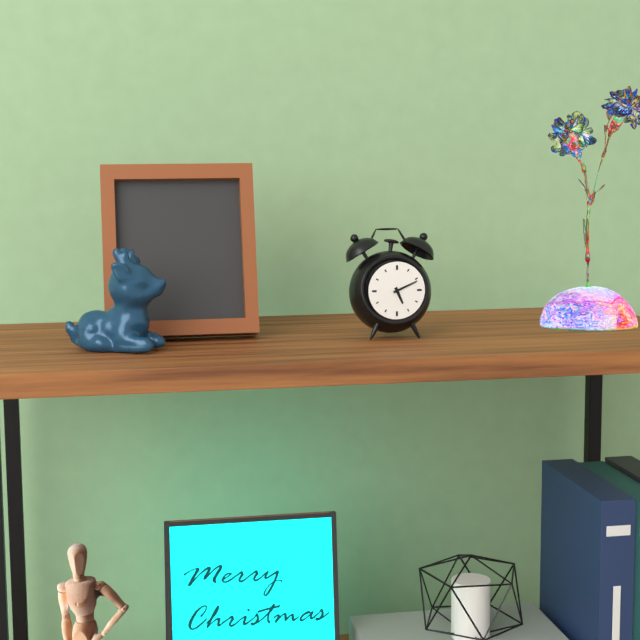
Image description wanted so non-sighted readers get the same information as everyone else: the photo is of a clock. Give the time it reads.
5:11
